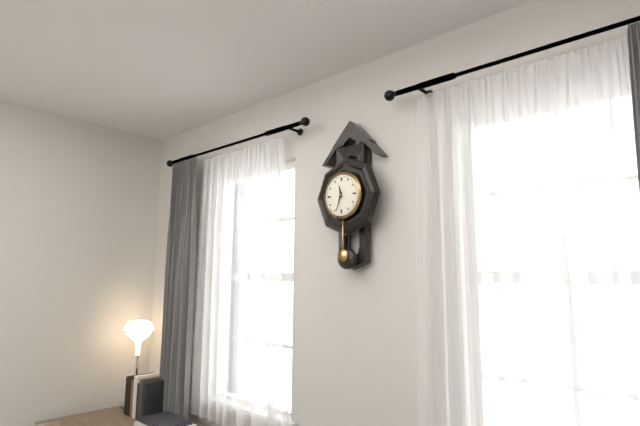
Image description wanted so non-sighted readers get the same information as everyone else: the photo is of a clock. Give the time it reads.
11:33
